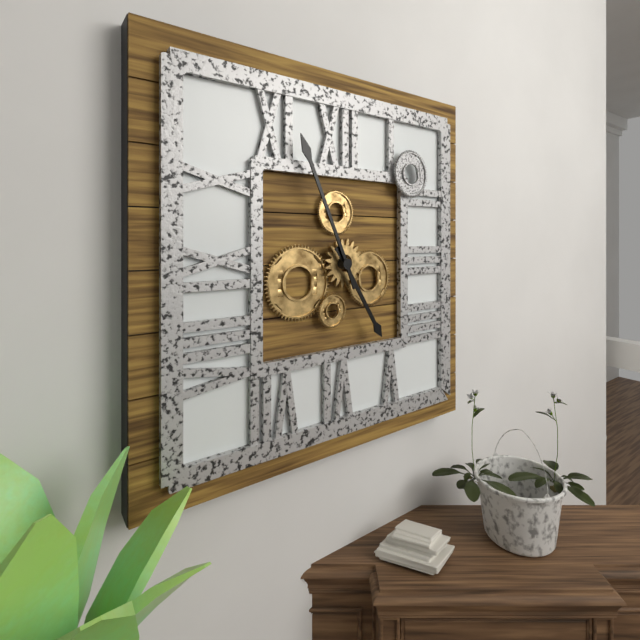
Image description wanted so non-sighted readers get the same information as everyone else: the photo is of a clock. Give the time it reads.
4:56
